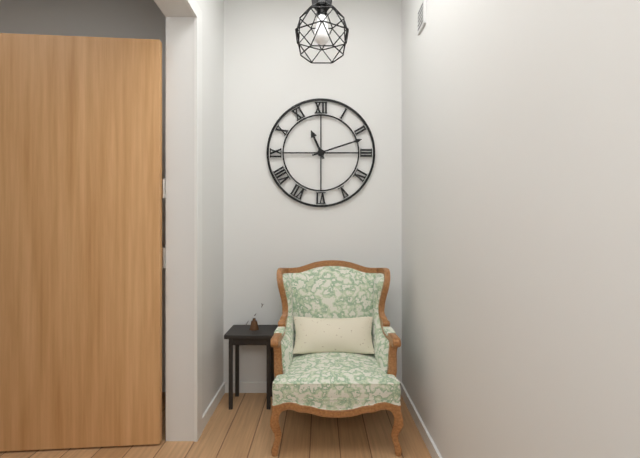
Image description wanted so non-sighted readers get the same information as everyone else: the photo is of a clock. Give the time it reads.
11:12
